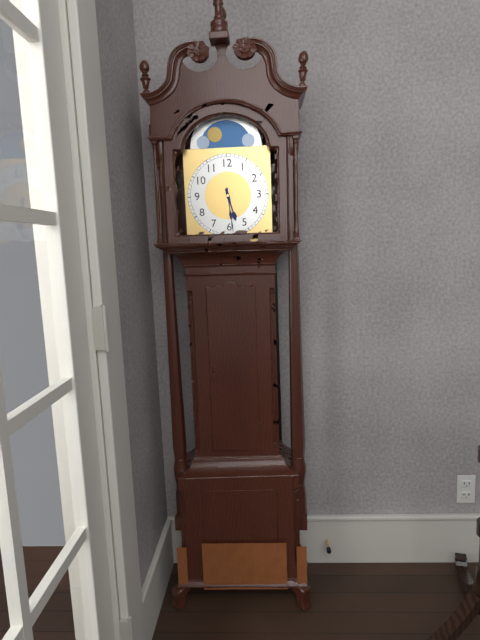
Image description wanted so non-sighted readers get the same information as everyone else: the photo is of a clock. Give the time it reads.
5:29
